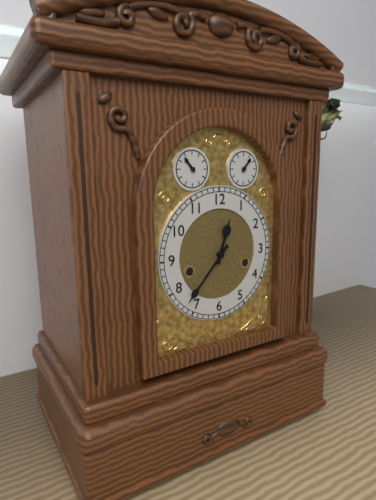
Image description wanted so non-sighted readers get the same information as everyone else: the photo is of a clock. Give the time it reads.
12:37
